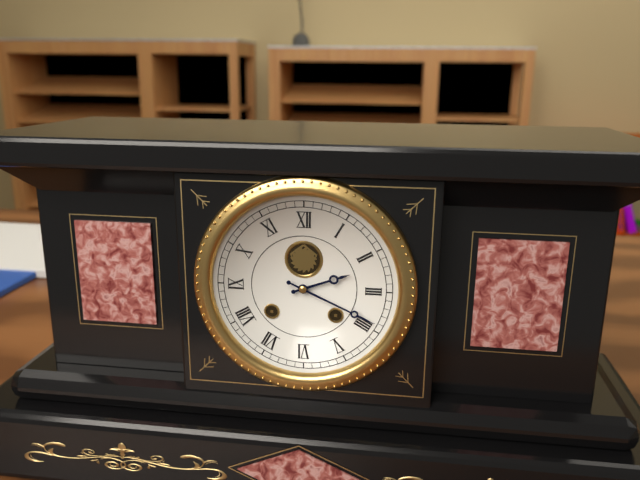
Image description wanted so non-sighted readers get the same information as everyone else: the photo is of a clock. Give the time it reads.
2:19
